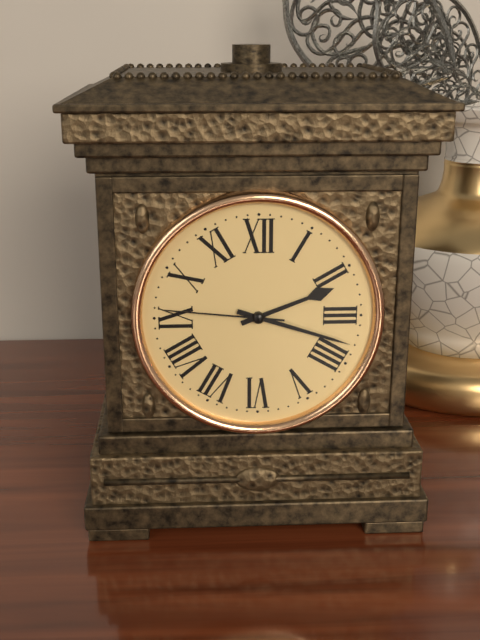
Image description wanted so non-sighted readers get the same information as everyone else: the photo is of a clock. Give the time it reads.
2:18:46
